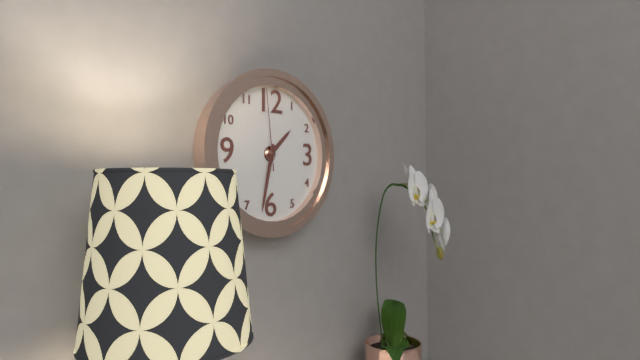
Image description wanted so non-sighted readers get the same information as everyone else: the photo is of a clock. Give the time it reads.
1:32:59
